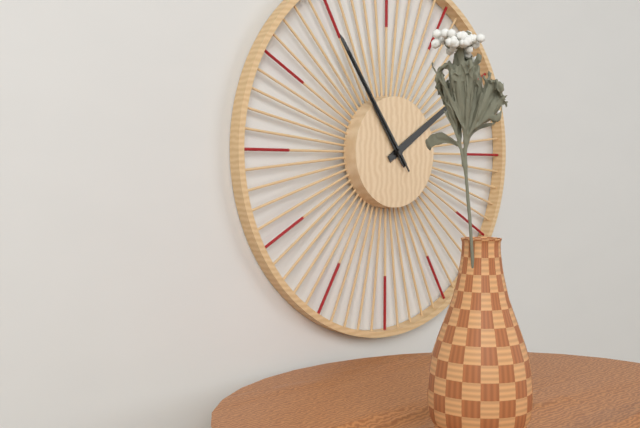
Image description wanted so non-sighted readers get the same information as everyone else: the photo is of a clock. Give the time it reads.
1:54:54
